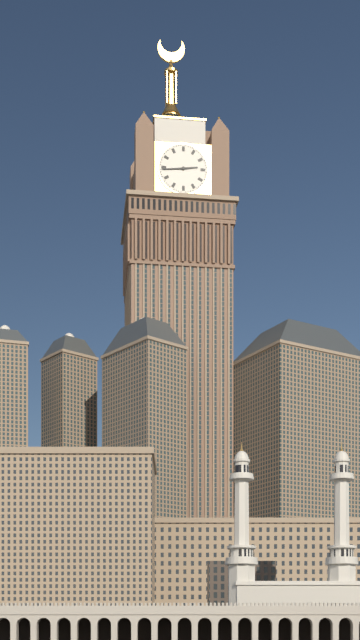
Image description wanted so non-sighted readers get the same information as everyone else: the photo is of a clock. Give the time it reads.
2:44
